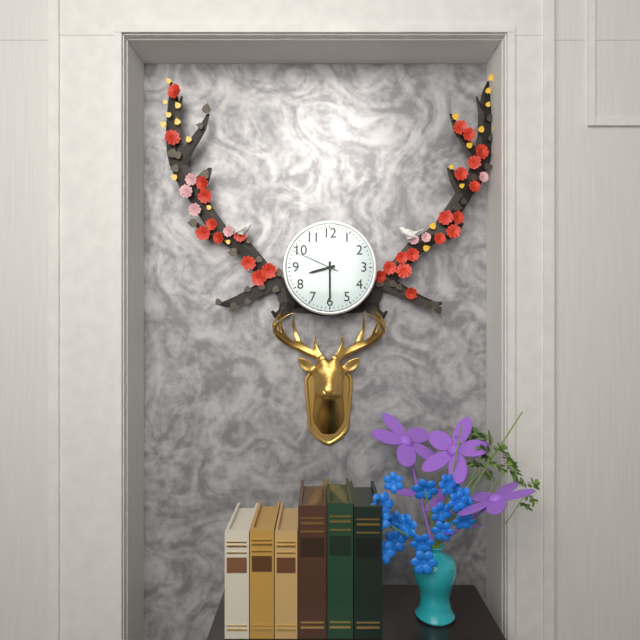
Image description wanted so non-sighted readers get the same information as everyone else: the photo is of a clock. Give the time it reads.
8:30
